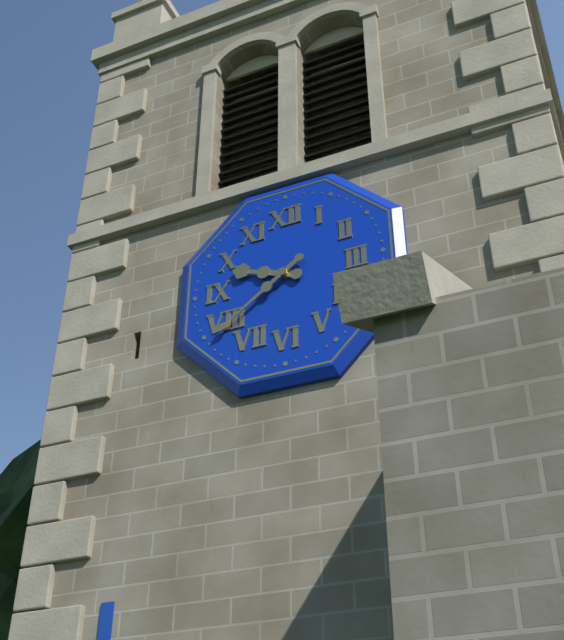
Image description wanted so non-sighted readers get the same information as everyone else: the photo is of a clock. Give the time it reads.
9:39
